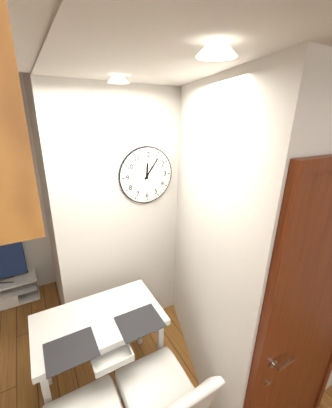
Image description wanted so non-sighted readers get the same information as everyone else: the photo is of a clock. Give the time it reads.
12:06
